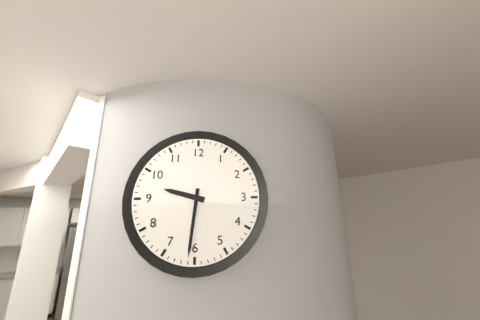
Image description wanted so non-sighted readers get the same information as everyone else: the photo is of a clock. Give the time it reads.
9:31
